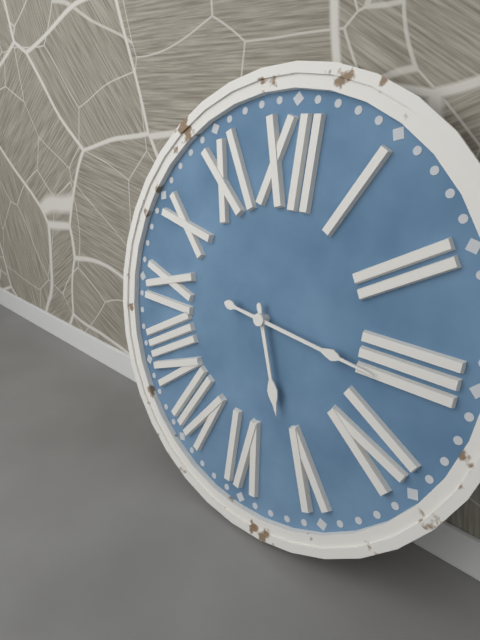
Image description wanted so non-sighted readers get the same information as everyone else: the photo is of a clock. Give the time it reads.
5:16
